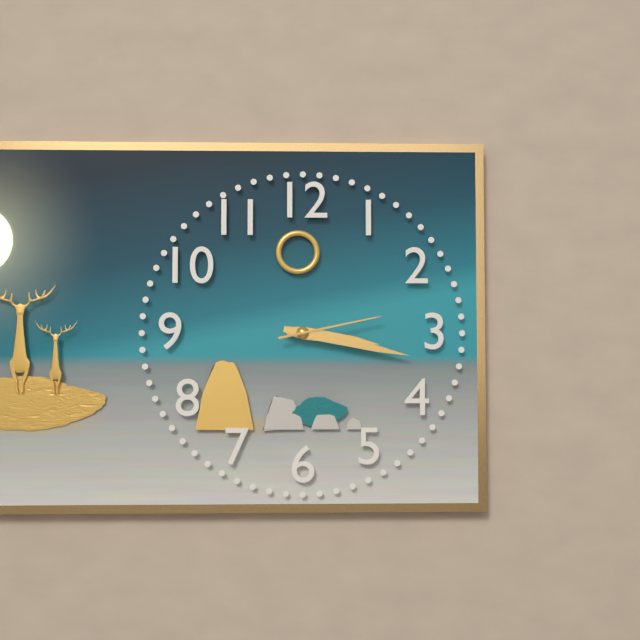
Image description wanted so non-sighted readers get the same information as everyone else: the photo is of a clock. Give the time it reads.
3:17:13
